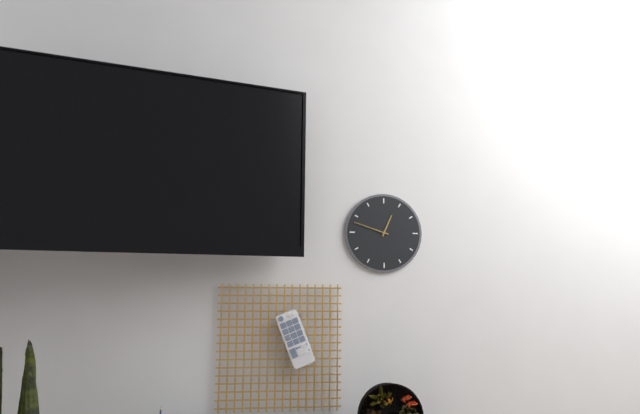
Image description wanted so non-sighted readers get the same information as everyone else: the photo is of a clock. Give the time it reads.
12:48
